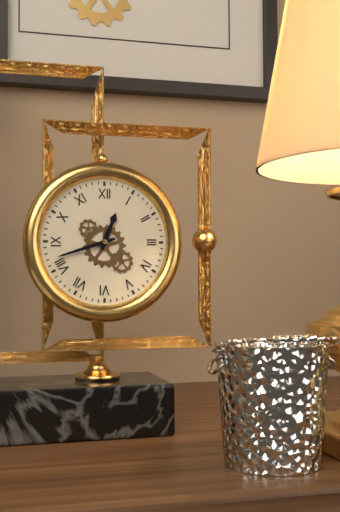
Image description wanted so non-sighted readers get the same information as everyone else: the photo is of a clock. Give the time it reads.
12:42
